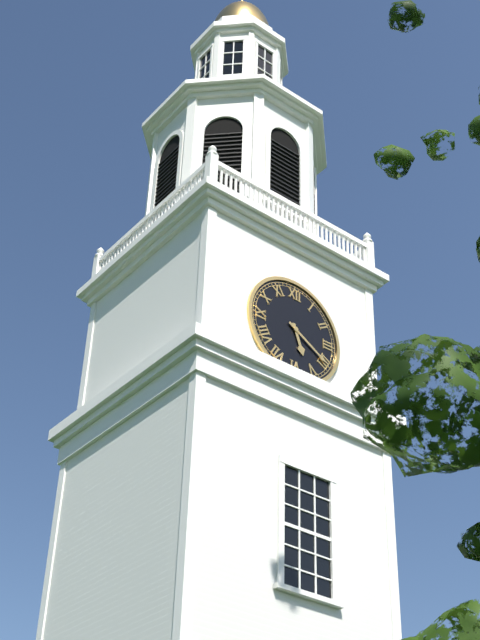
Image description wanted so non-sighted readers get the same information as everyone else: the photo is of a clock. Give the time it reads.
5:20
